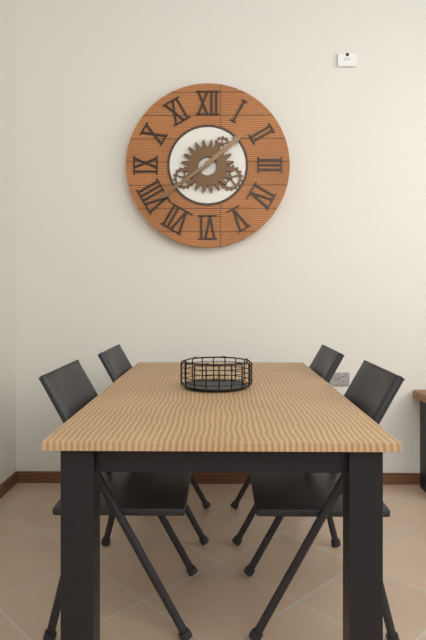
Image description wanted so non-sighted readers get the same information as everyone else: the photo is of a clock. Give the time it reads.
1:39
